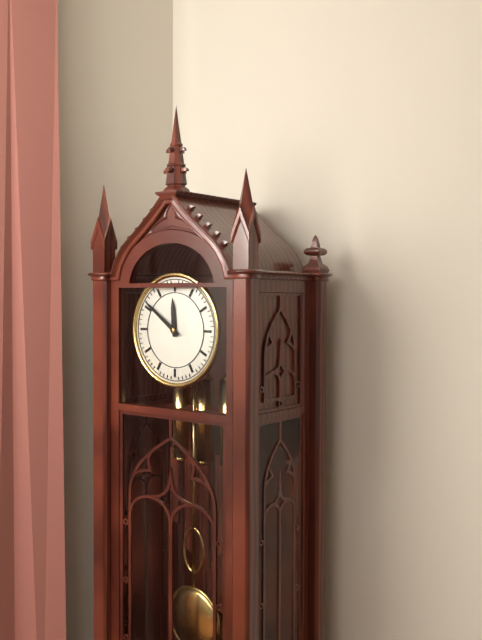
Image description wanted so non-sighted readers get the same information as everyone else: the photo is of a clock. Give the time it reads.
11:51
